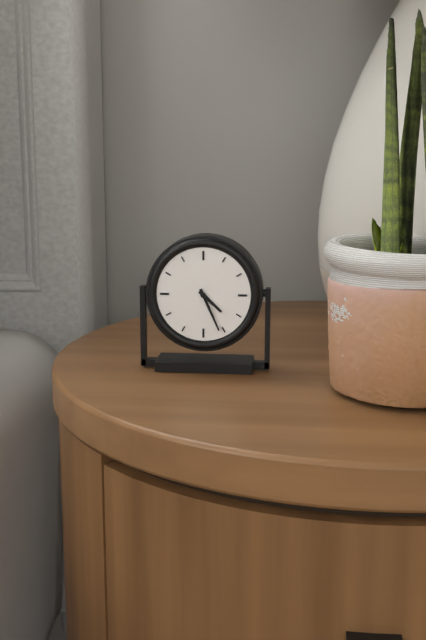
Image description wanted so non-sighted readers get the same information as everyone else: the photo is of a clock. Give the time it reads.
4:26
